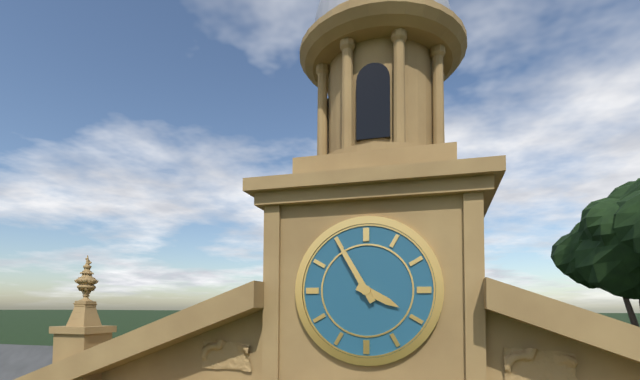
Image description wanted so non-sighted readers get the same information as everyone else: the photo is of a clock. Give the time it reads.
3:55
